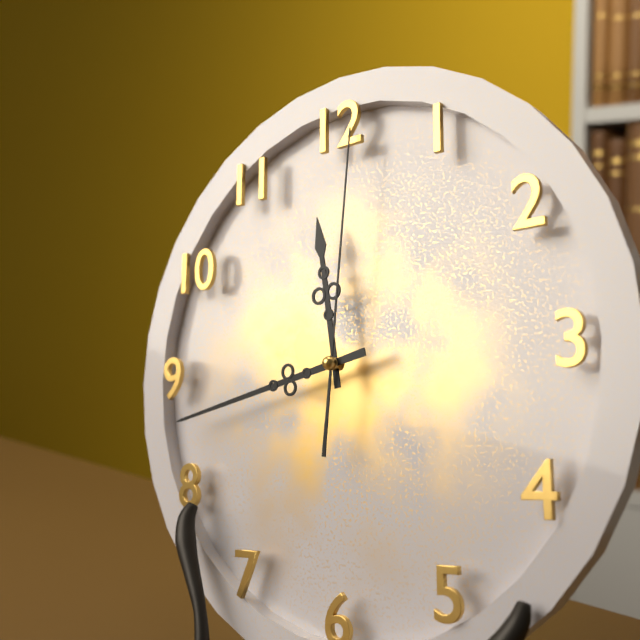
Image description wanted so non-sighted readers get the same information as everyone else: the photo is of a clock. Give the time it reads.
11:43:01
